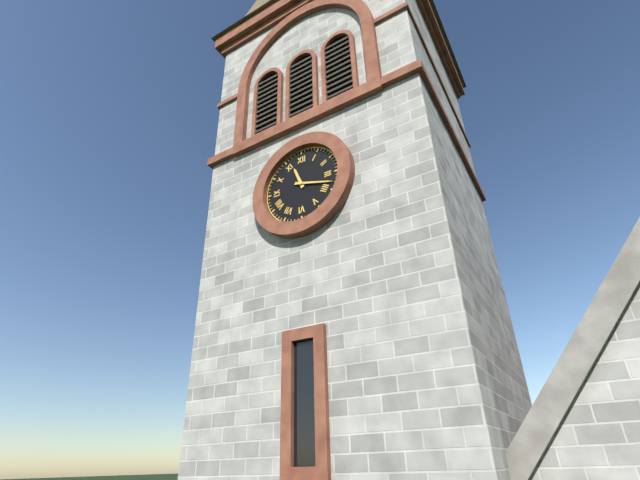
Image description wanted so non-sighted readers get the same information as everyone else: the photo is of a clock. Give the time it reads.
11:18
